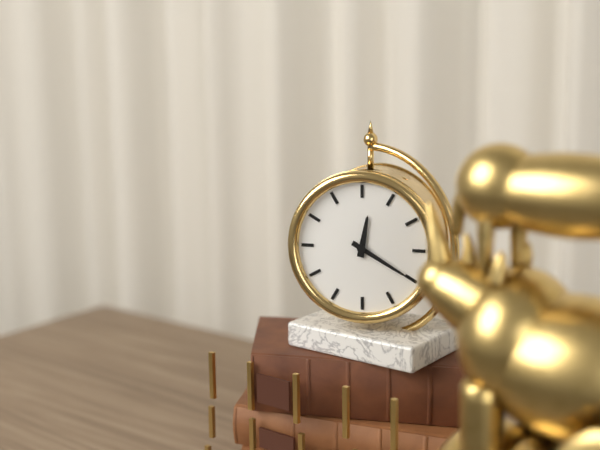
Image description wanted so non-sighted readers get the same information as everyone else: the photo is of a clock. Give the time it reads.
12:20
